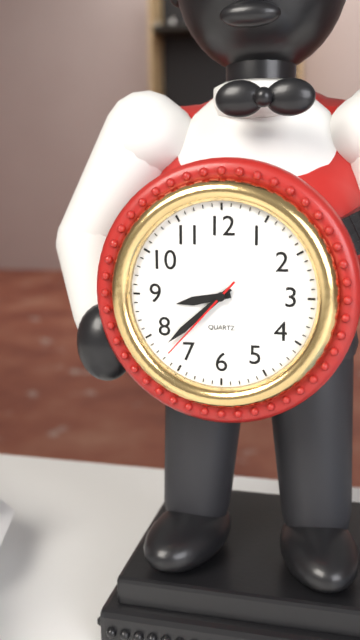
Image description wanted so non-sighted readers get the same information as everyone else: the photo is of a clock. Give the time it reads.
8:38:37
